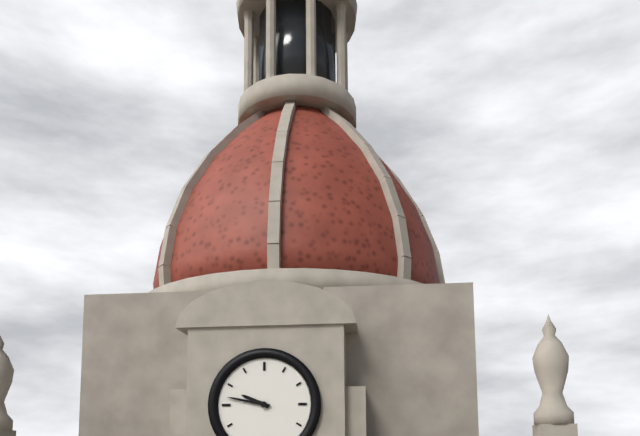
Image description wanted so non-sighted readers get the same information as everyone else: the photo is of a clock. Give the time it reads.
9:47
